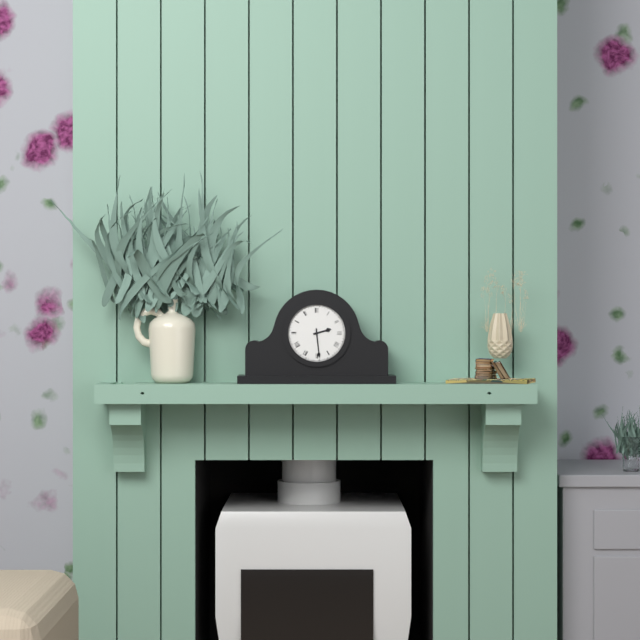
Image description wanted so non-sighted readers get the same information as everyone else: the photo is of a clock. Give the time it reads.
2:29
